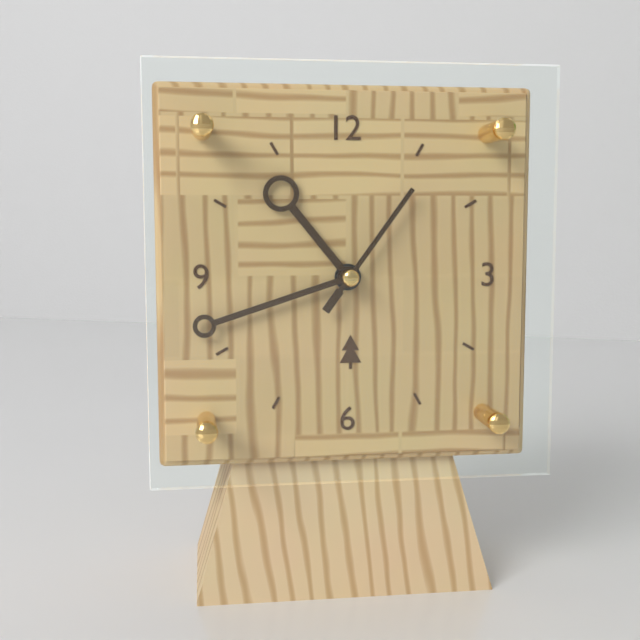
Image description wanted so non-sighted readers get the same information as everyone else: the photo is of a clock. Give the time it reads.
10:42:06
